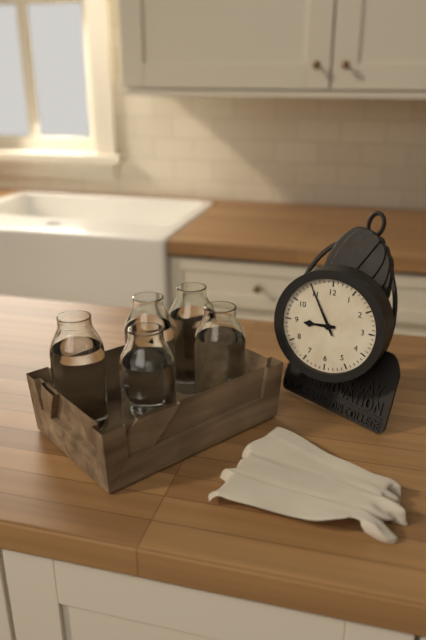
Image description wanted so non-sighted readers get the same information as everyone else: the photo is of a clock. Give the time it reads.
8:55
